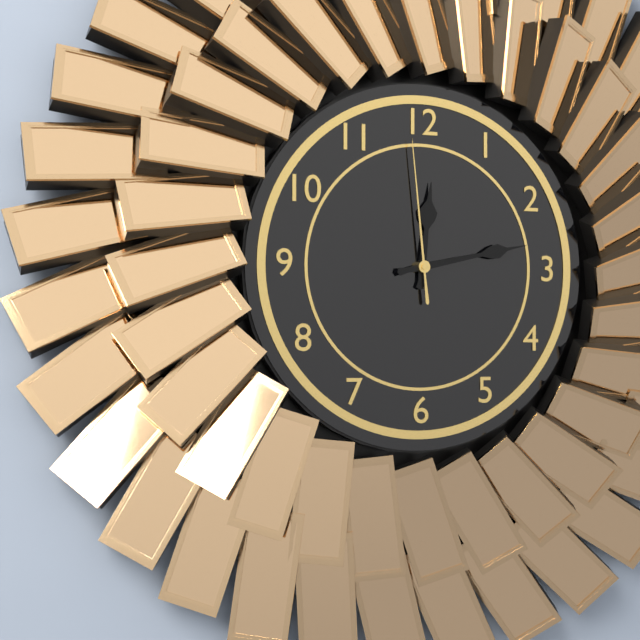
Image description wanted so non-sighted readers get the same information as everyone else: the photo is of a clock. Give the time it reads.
12:13:59
